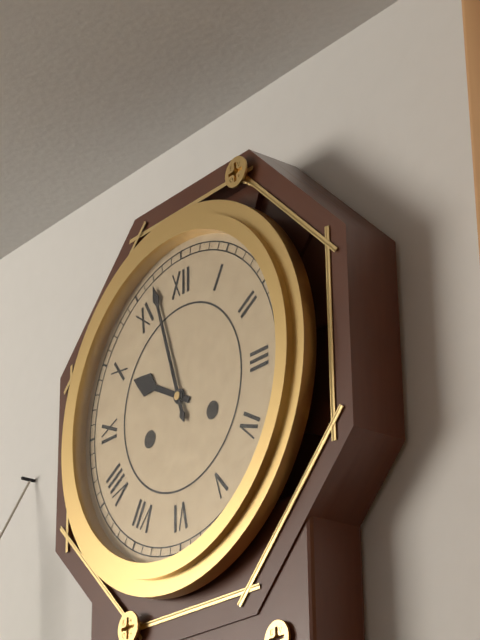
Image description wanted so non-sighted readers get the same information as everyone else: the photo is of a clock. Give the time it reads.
9:57
